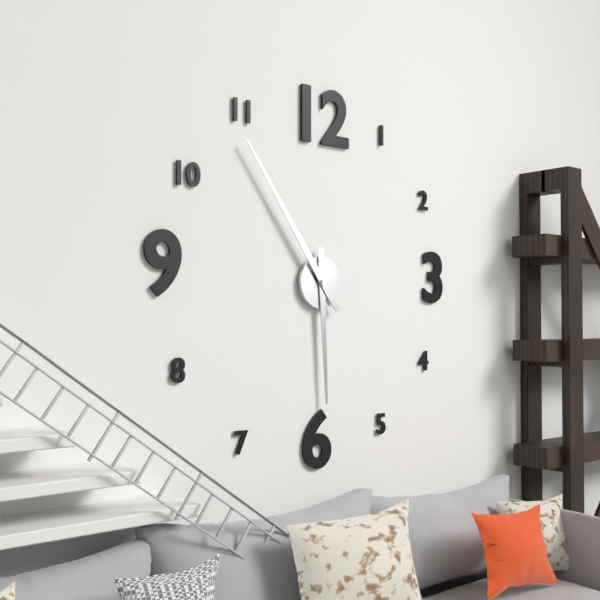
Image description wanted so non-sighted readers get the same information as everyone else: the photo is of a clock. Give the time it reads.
5:54
